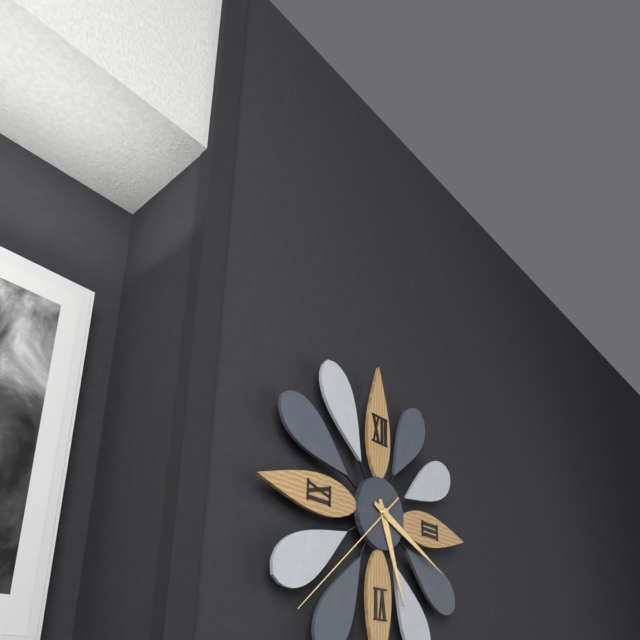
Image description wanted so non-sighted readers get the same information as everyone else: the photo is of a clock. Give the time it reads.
5:19:38
